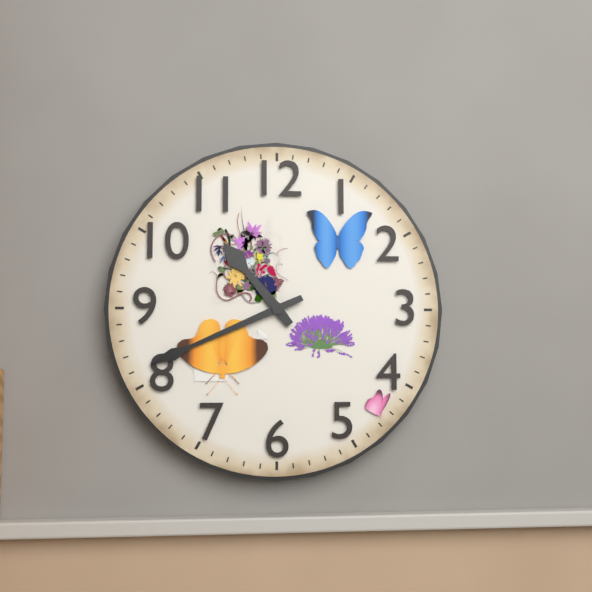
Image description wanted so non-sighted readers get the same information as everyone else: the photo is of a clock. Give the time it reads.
10:41
